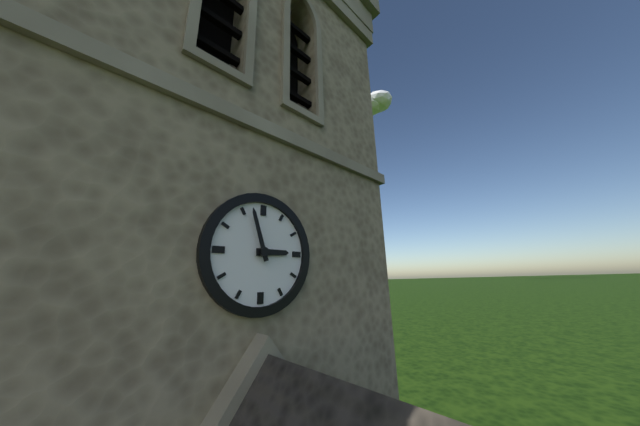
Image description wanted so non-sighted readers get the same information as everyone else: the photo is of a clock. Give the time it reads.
2:57
